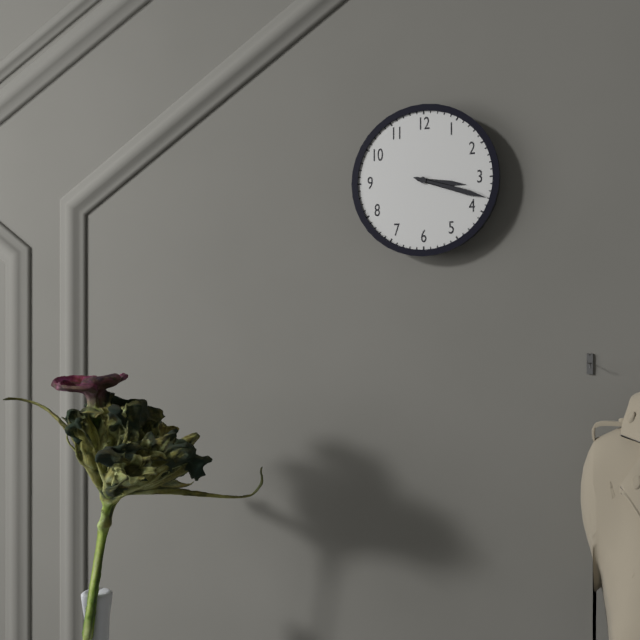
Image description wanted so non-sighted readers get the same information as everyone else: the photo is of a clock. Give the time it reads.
3:18
